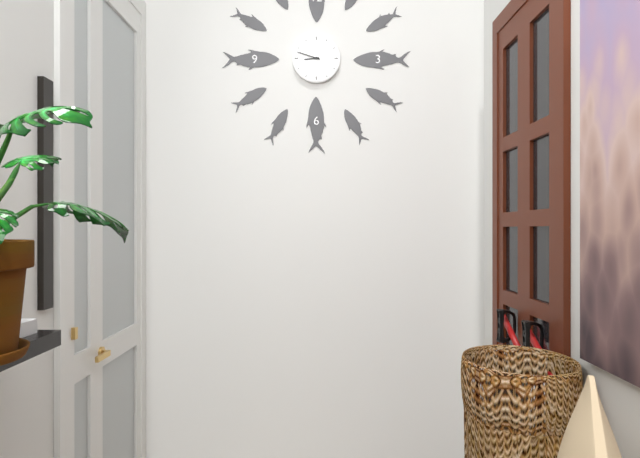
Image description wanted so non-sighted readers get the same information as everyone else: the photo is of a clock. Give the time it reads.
8:48
